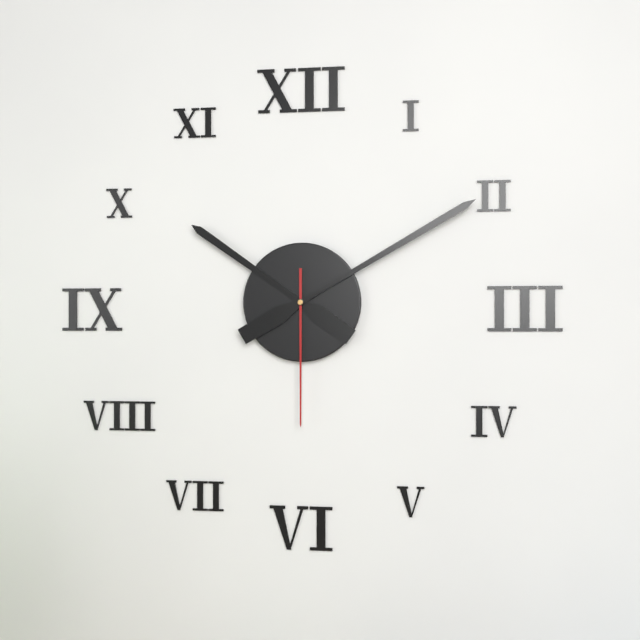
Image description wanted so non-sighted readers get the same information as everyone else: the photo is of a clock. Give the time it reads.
10:10:30
